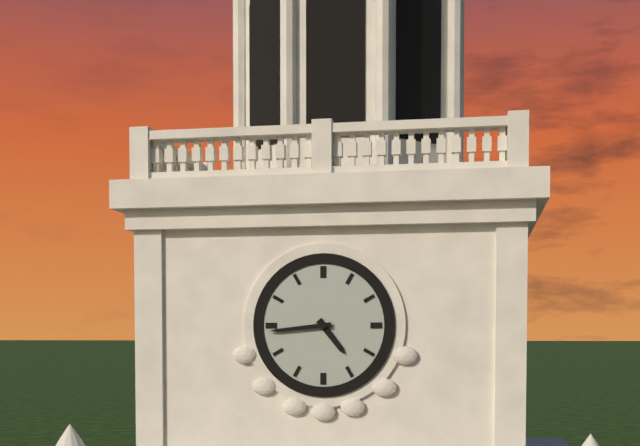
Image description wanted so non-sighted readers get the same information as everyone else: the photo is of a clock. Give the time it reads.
4:44
